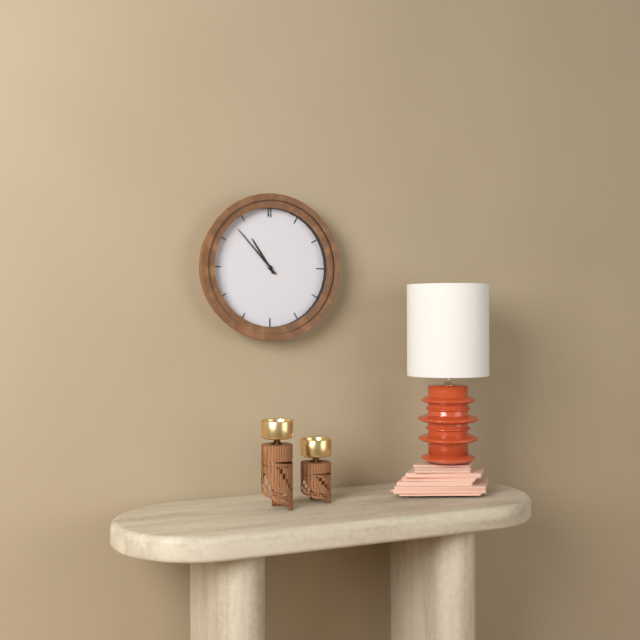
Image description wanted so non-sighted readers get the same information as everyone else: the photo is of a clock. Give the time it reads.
10:53
